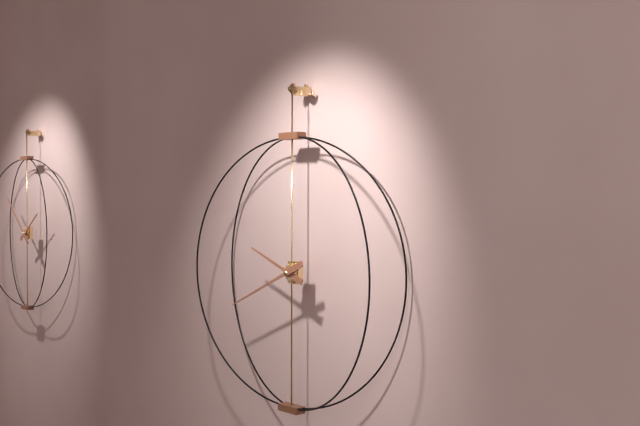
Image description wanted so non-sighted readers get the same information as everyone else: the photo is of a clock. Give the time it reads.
9:41
